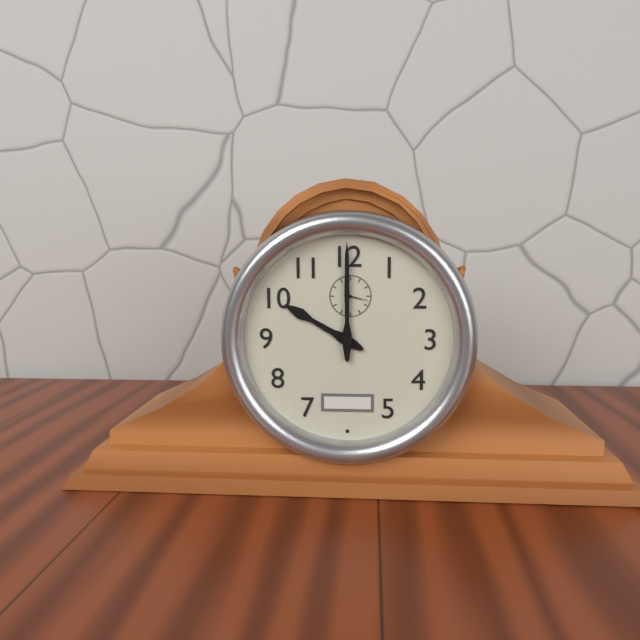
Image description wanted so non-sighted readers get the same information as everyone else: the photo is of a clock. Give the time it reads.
10:00
